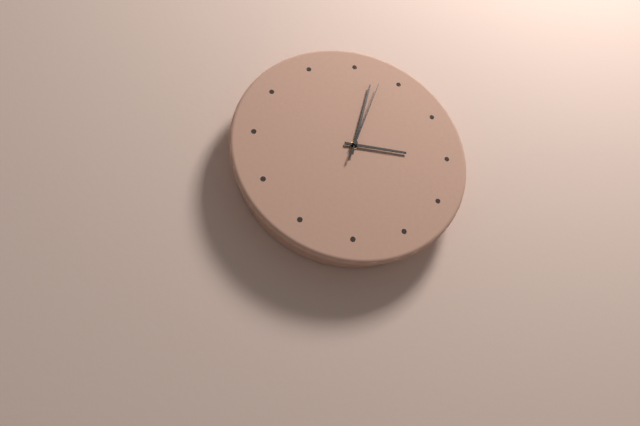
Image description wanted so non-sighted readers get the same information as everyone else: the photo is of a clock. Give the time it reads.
3:02:03
